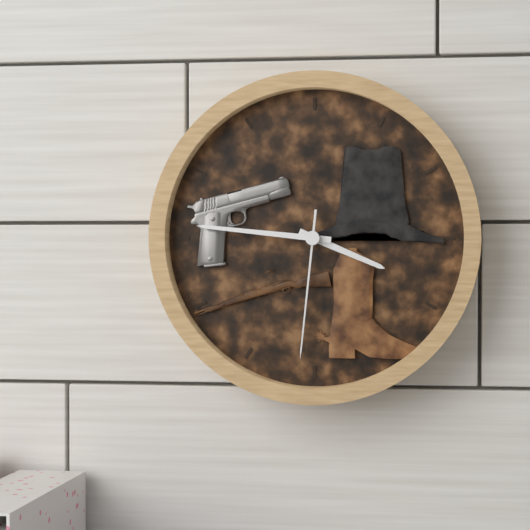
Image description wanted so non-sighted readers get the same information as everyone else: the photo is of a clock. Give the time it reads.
3:46:31
